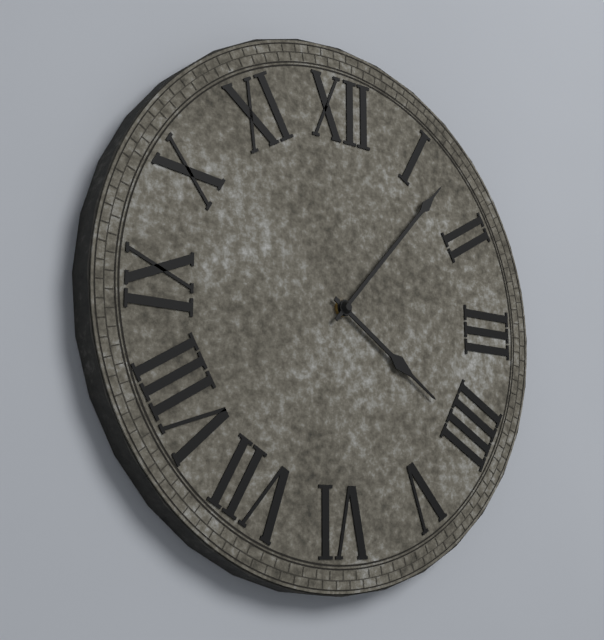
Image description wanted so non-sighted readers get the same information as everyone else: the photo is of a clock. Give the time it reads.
4:07
